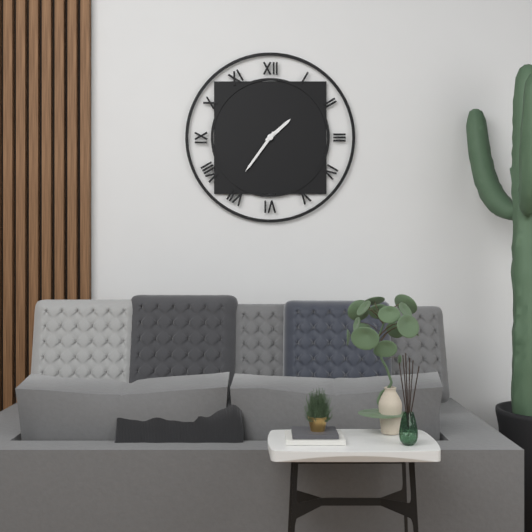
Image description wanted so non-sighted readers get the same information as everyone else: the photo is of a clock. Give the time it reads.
1:36
